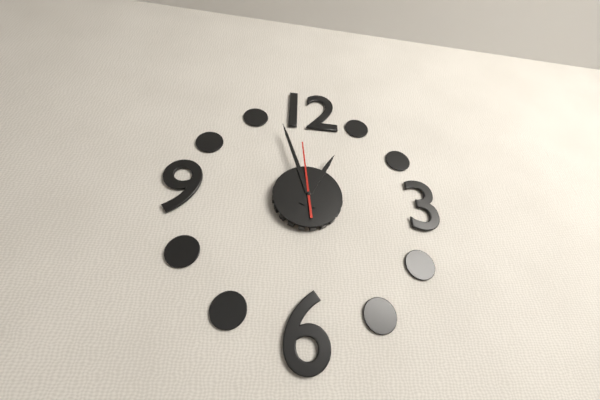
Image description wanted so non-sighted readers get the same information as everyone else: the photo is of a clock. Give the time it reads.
12:57:59
